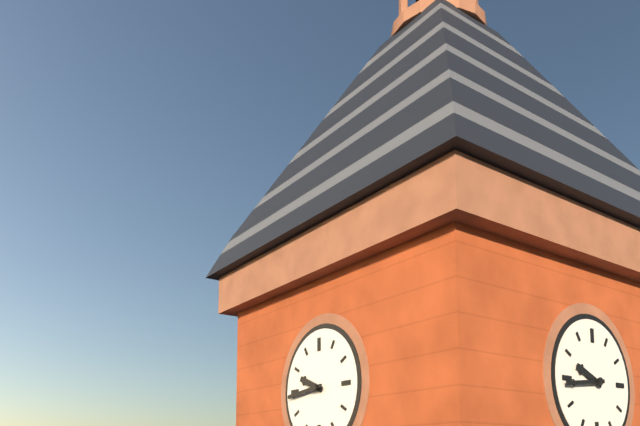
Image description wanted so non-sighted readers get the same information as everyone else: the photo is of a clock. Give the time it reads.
9:44
